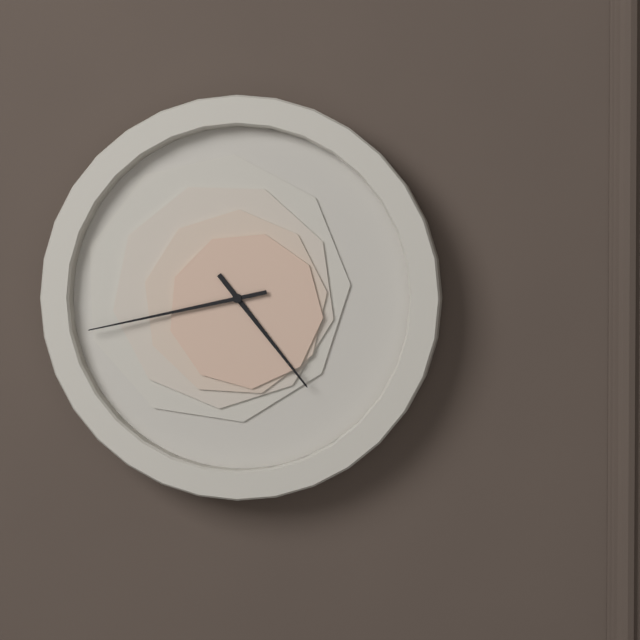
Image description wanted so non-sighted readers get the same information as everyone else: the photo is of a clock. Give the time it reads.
4:43
